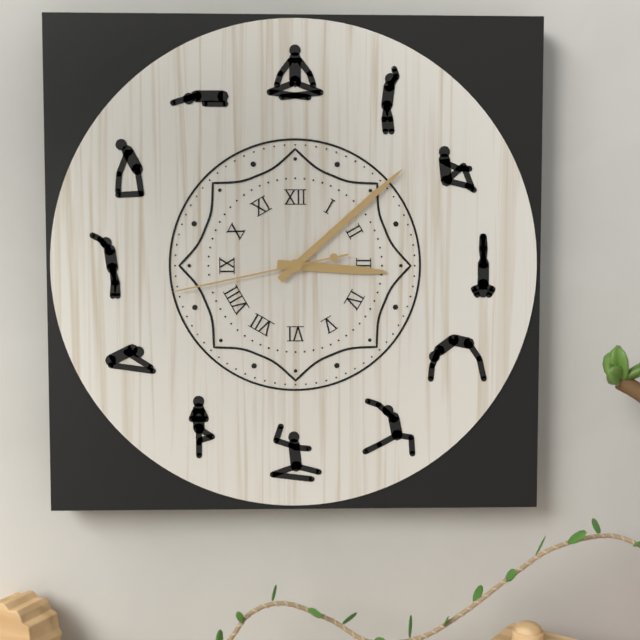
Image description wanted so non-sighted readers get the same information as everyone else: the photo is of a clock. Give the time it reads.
3:08:43
